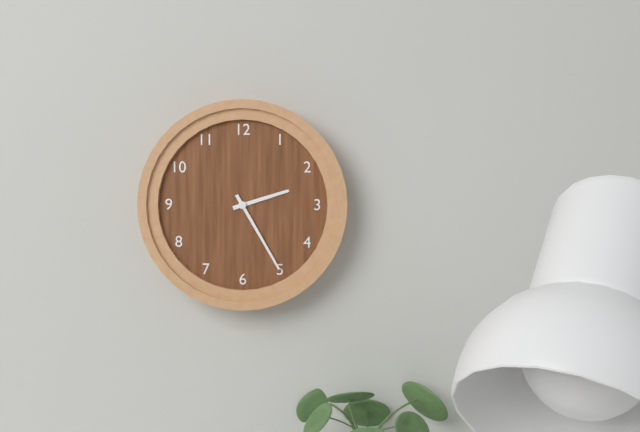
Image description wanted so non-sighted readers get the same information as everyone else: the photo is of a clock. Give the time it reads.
2:25
